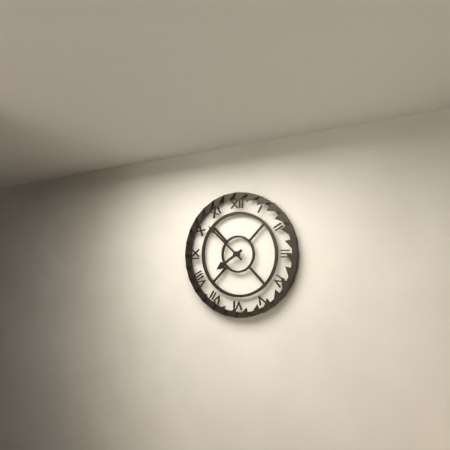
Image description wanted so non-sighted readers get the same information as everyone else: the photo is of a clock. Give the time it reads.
7:52
